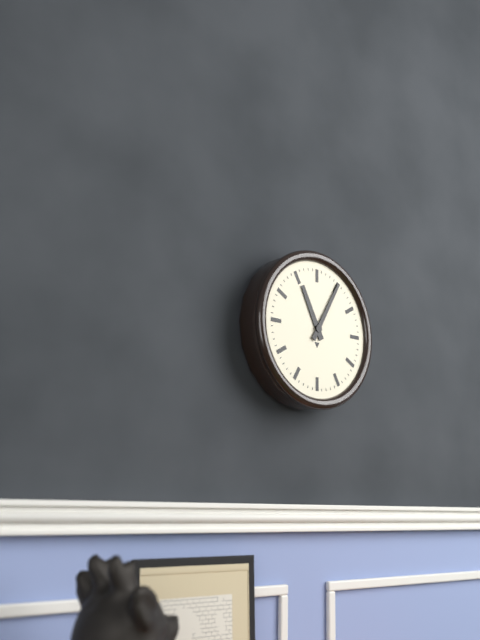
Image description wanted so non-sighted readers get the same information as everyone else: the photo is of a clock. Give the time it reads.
11:05
